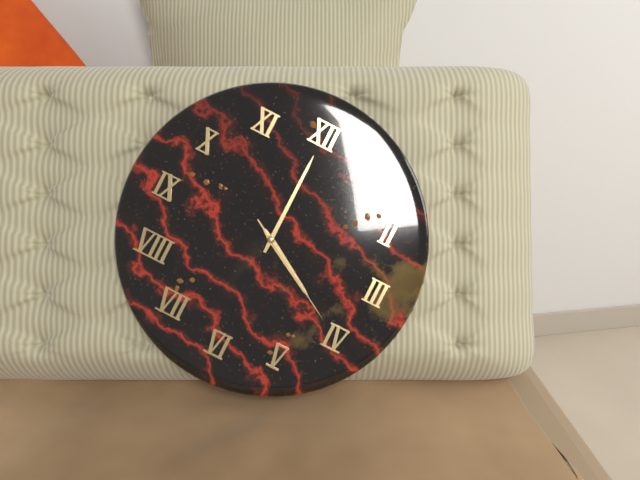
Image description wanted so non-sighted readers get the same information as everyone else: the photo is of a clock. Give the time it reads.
4:00:20
